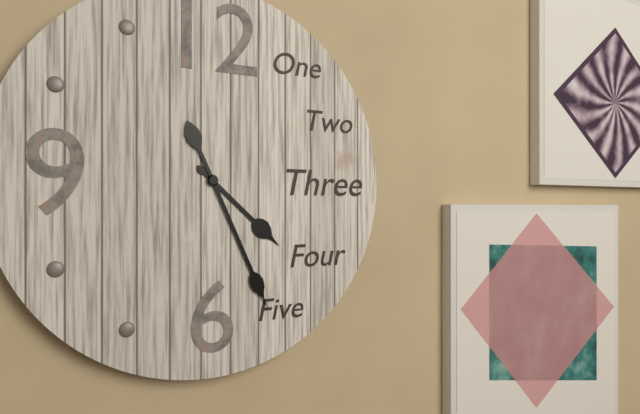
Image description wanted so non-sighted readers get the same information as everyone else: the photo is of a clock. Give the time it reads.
4:26
